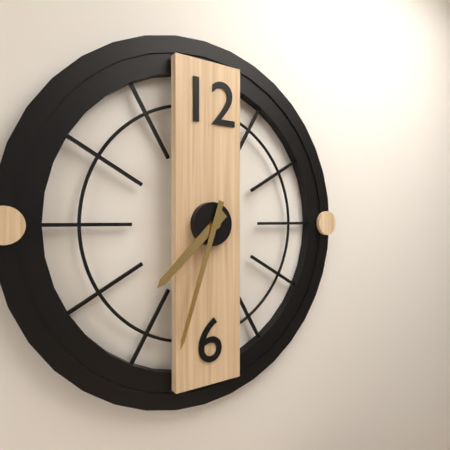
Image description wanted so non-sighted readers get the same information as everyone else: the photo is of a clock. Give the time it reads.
7:33
